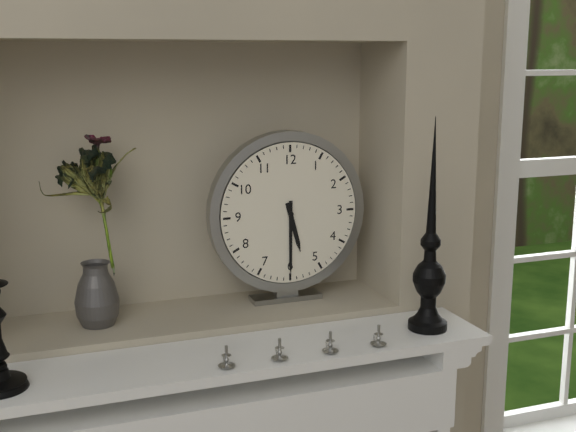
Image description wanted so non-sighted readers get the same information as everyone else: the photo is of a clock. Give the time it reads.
5:30
